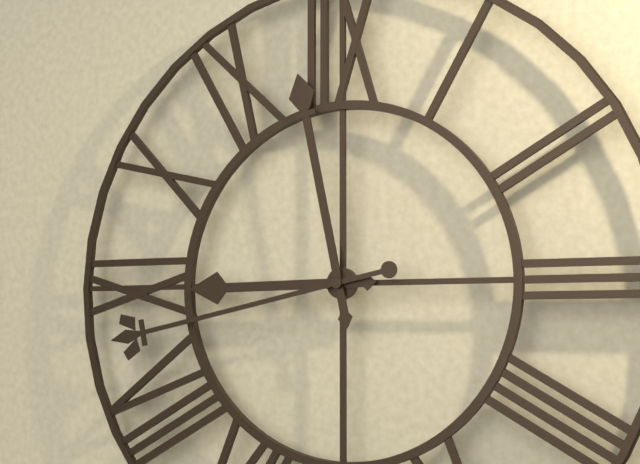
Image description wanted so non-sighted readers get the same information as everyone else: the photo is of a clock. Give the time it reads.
8:58:43
